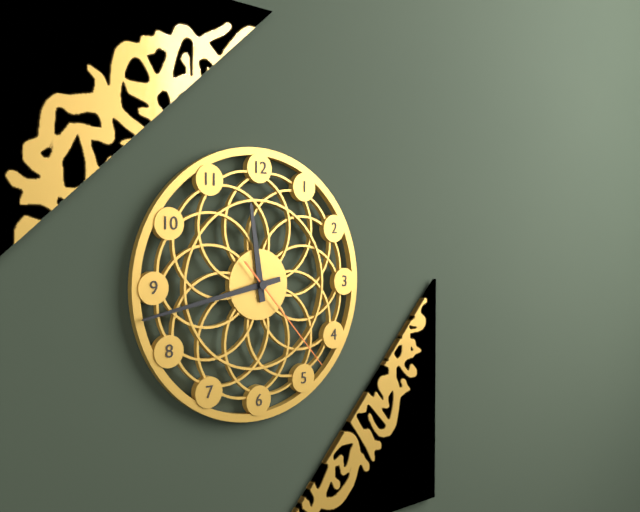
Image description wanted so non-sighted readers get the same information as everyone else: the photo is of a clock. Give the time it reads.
11:43:23
